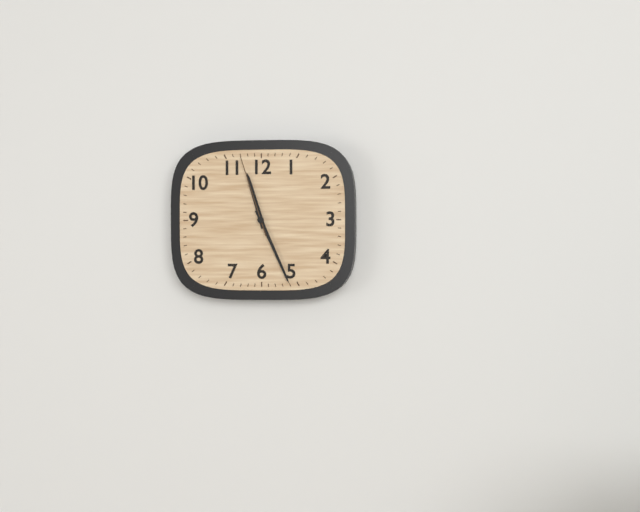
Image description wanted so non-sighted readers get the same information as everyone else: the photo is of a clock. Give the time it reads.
11:26:57
